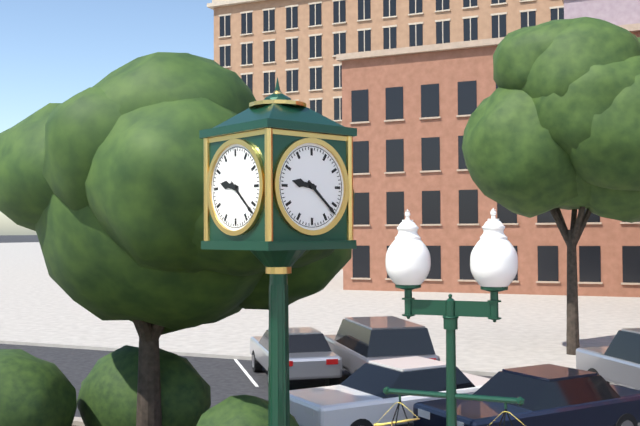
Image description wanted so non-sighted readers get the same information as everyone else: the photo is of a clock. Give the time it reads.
9:22
